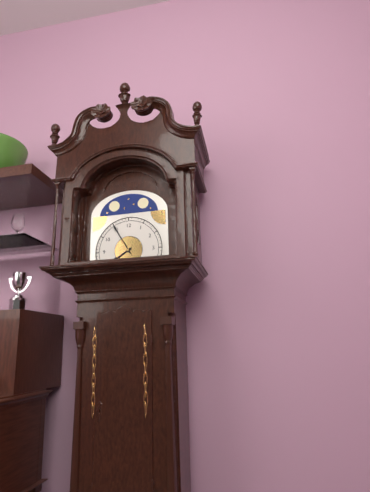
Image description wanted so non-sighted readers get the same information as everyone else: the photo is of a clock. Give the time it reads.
7:55
